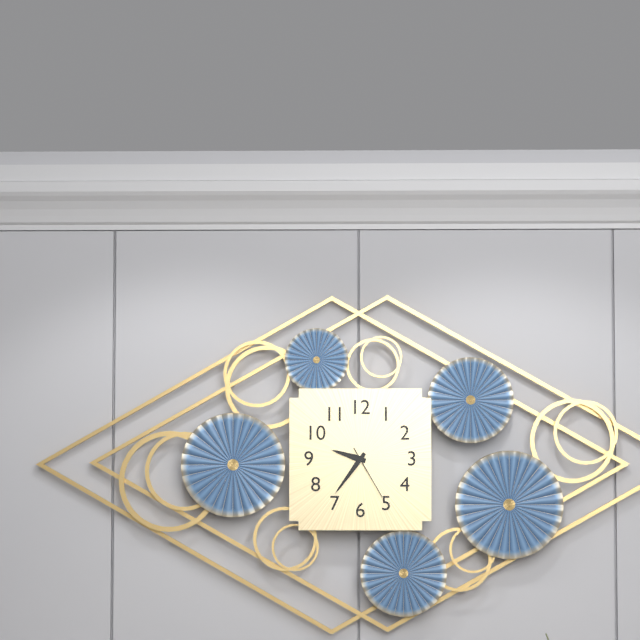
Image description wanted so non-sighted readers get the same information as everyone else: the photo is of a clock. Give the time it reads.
9:36:25
